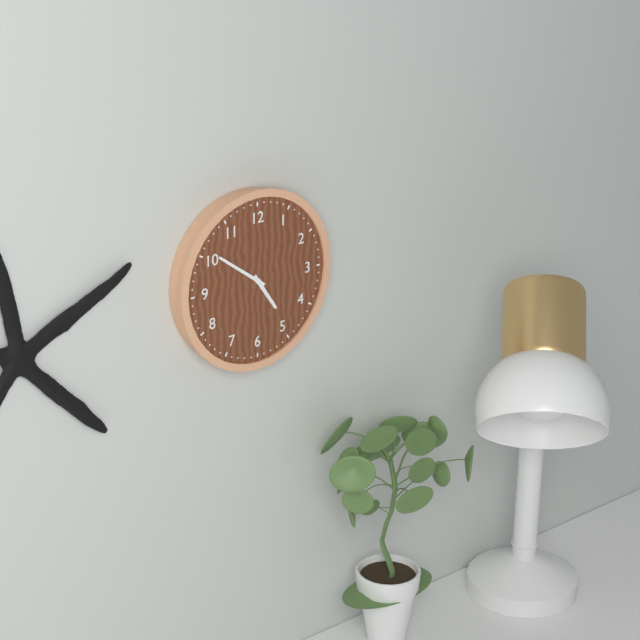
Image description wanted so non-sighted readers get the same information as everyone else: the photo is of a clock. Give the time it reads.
4:51
